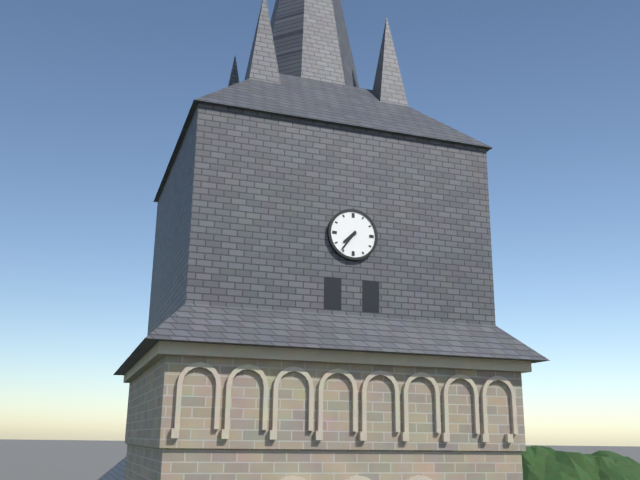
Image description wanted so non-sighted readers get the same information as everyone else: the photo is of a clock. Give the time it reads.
7:36
